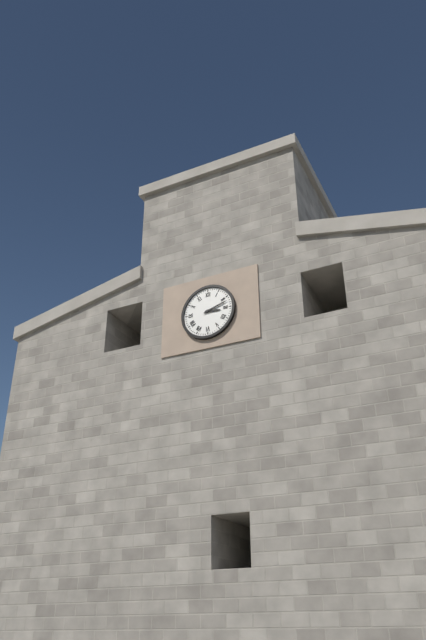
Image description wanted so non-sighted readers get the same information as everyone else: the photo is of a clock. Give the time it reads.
3:12
